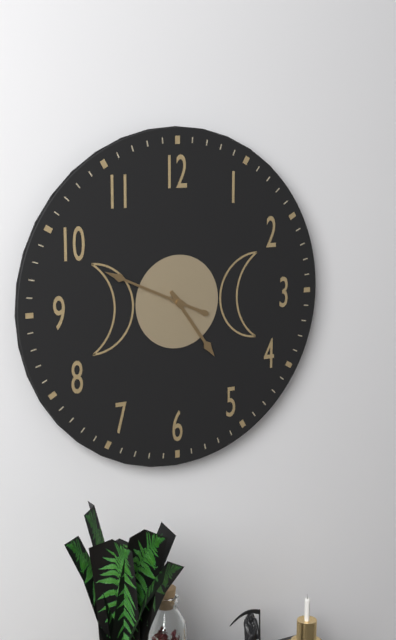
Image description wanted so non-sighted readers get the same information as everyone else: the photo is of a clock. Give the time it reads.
4:49
